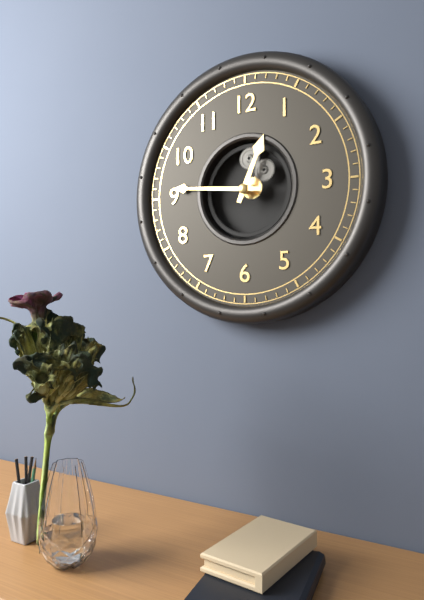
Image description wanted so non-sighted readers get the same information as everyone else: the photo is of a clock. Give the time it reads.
12:46
